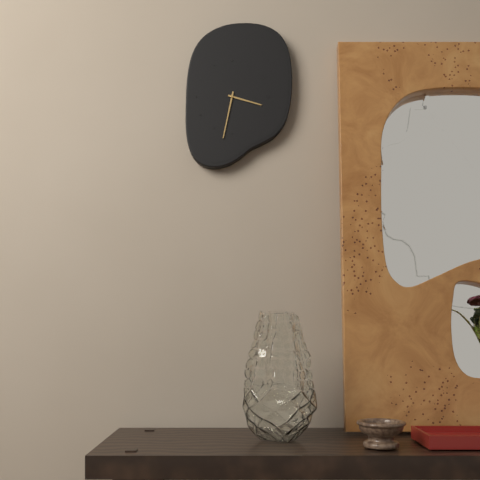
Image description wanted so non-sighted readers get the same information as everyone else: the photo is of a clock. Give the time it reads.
3:32
